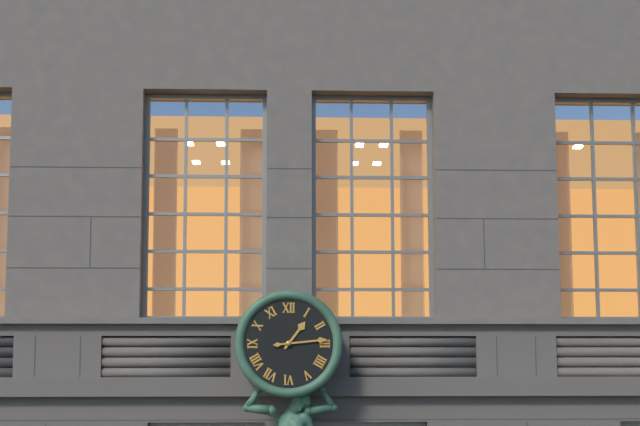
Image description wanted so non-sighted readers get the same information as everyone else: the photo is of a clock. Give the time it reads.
1:14
